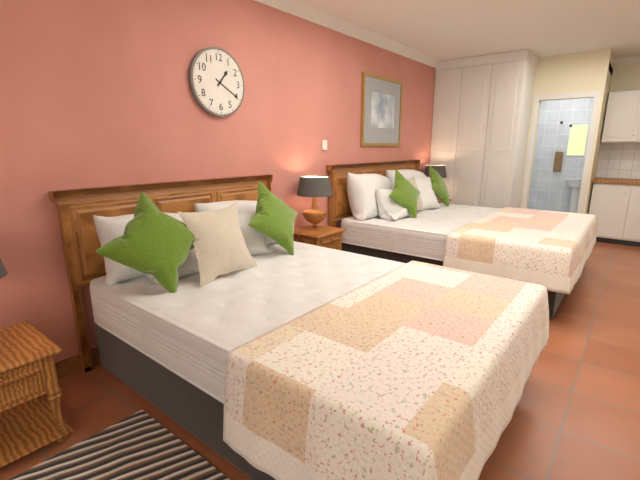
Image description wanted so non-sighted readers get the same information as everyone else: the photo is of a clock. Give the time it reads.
1:20
